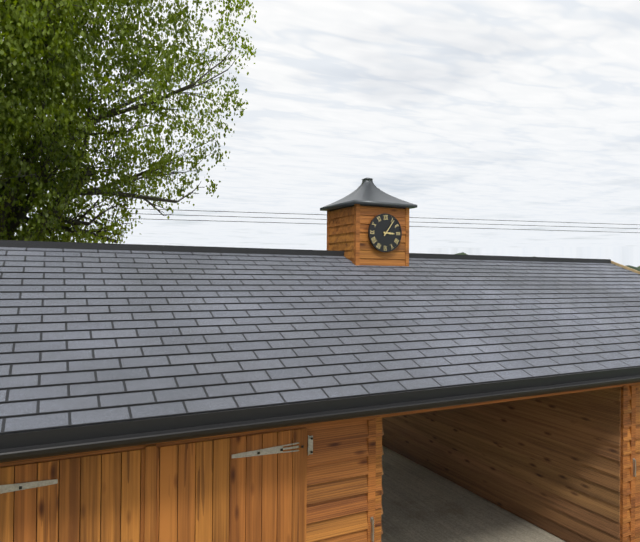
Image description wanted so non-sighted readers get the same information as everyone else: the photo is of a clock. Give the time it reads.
3:06
